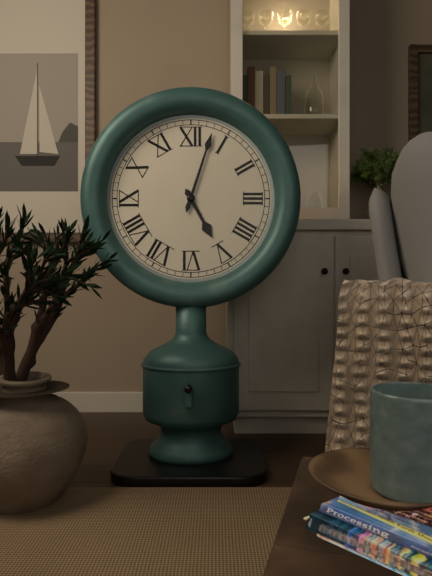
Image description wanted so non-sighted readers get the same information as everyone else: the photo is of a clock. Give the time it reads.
5:03
